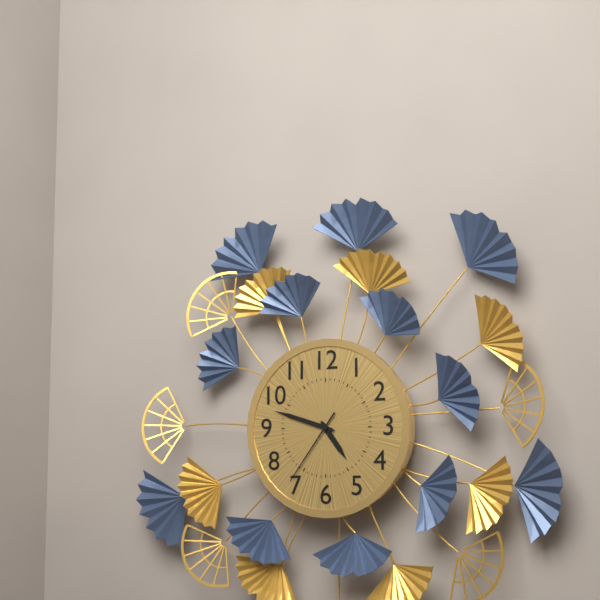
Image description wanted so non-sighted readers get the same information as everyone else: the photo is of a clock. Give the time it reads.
4:48:36
